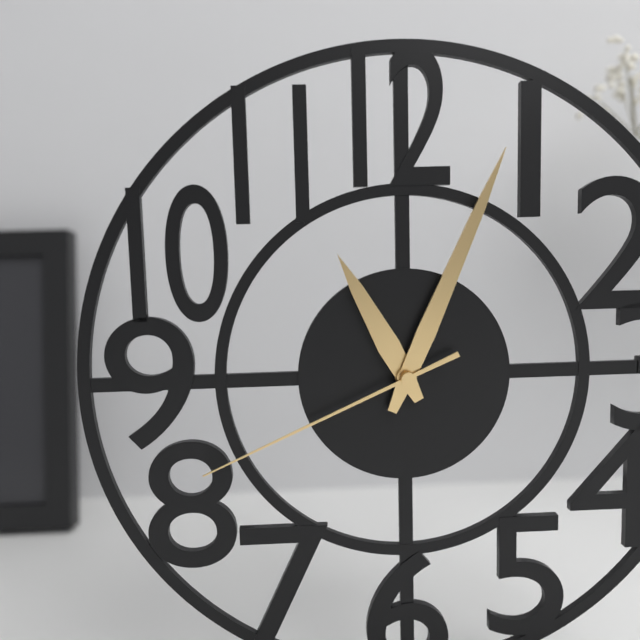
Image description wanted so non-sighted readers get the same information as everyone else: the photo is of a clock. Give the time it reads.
11:04:41
